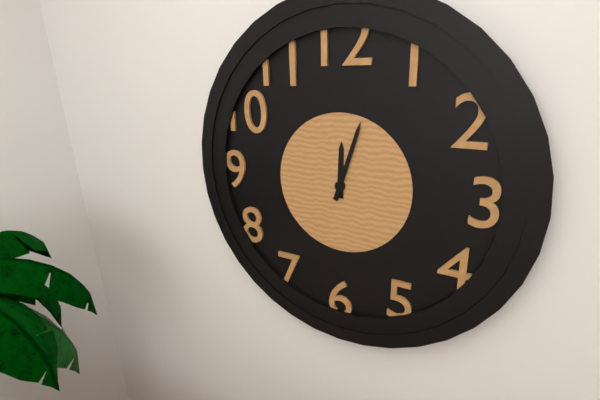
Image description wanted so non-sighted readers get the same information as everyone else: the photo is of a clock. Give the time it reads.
12:03
